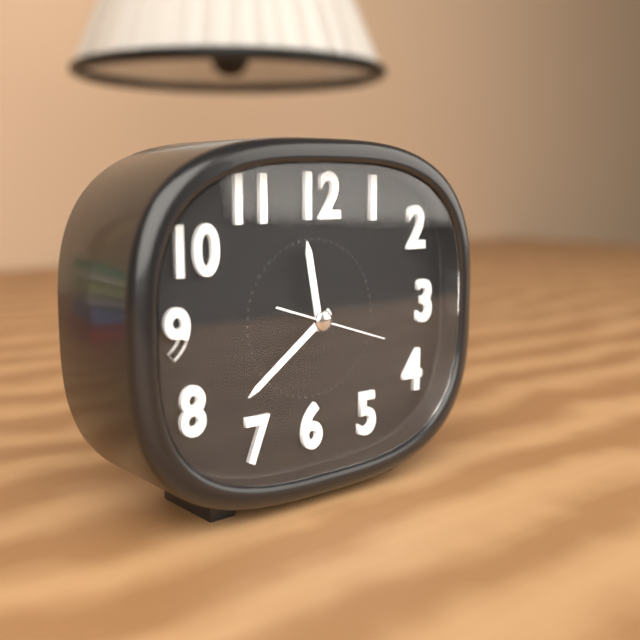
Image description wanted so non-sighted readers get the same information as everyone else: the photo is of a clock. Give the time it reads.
11:39:18
